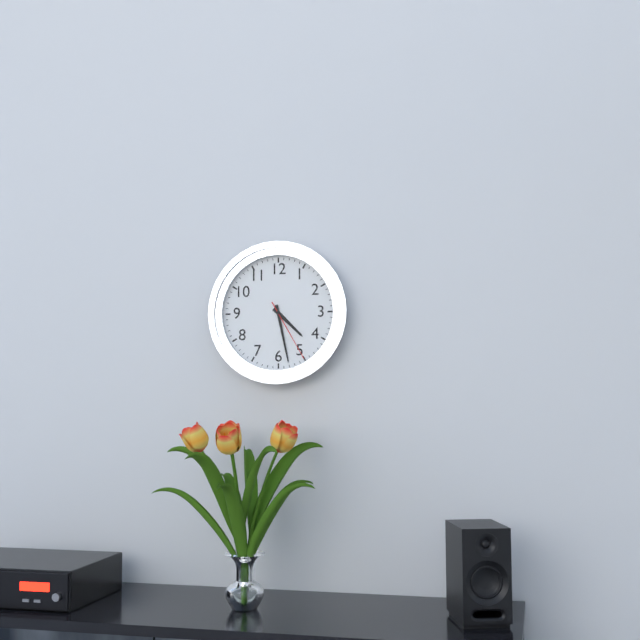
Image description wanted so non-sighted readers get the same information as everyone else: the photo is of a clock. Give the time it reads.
4:28:25
